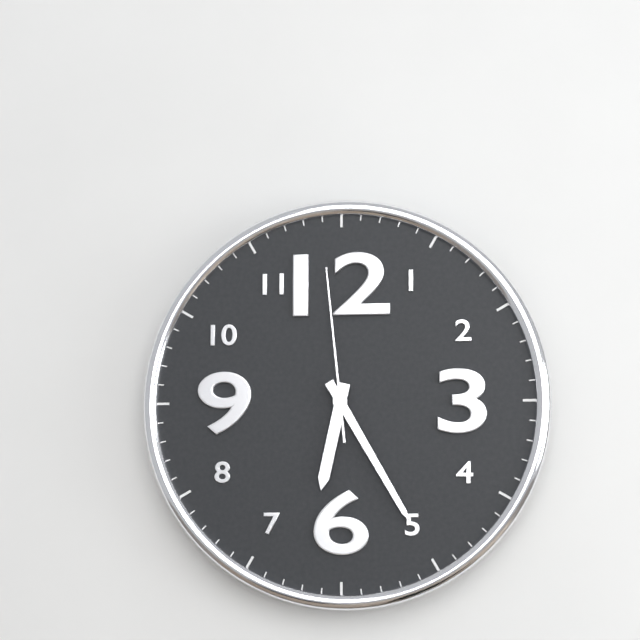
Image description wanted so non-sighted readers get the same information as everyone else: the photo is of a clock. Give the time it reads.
6:25:59
